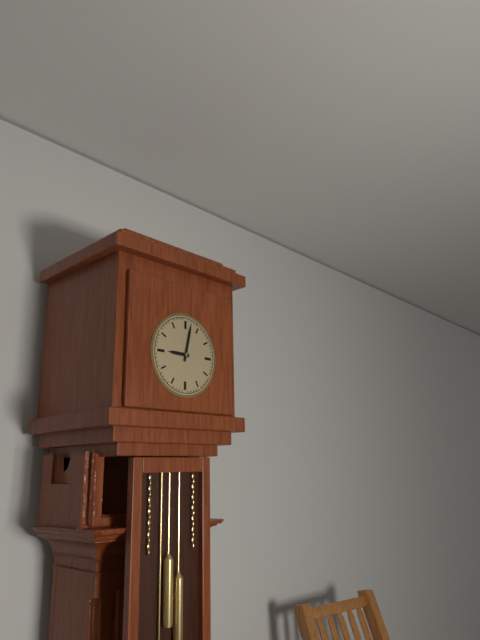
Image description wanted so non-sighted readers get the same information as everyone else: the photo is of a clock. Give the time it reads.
9:02
